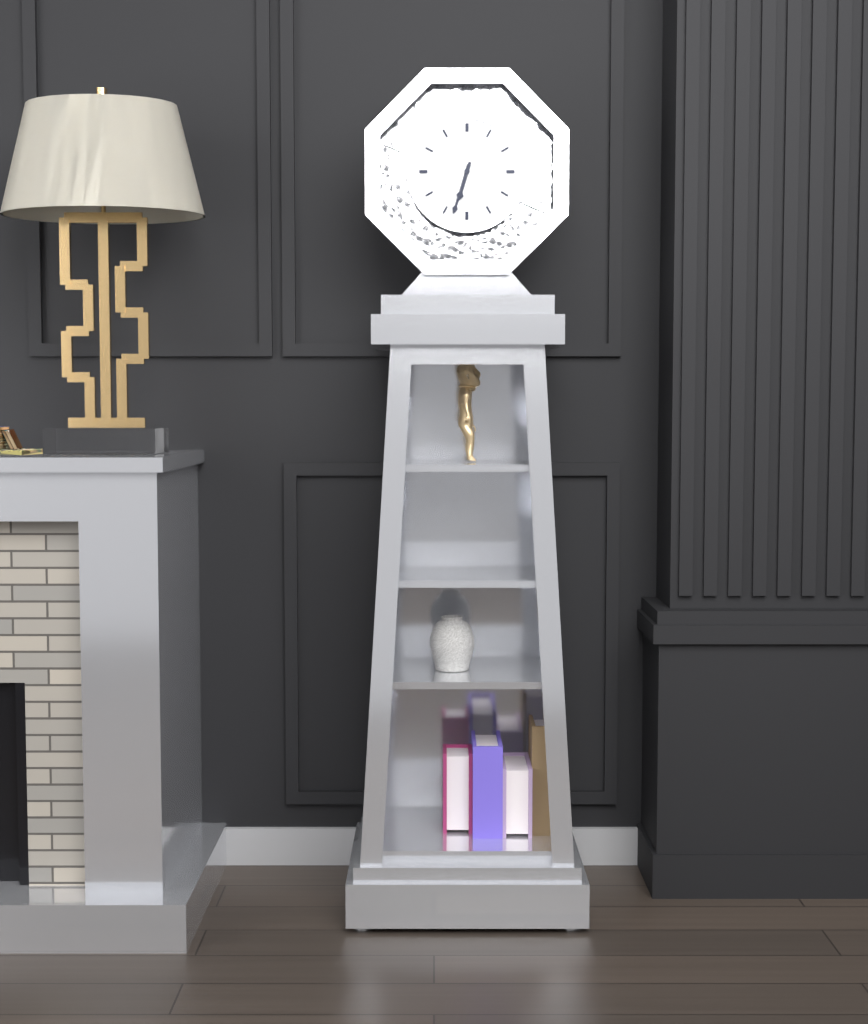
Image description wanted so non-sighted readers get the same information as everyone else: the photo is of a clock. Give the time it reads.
6:33
